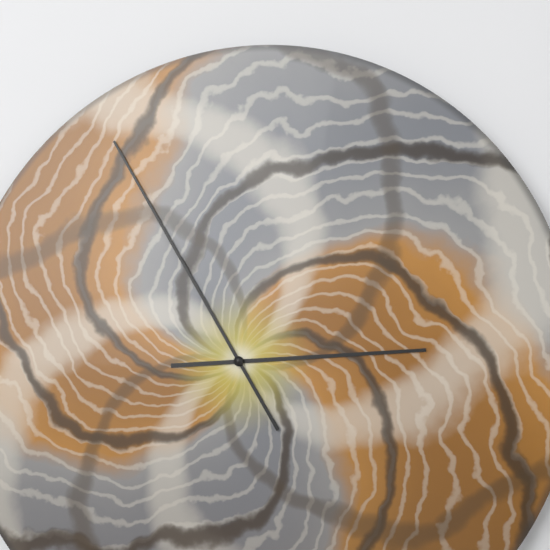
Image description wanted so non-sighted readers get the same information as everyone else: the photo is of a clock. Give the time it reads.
2:55
